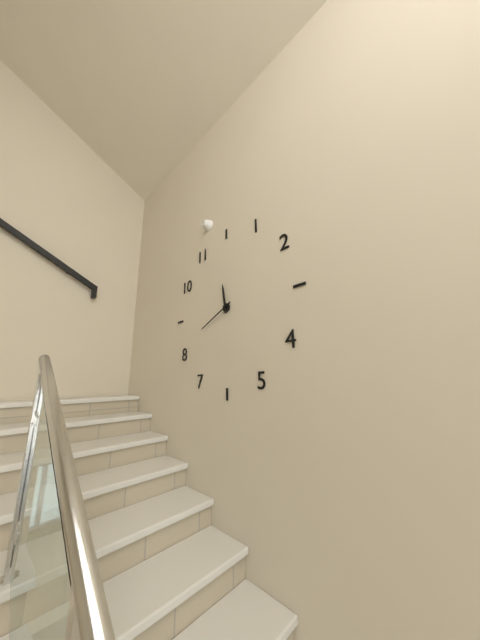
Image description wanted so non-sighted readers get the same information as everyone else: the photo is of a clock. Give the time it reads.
11:41
